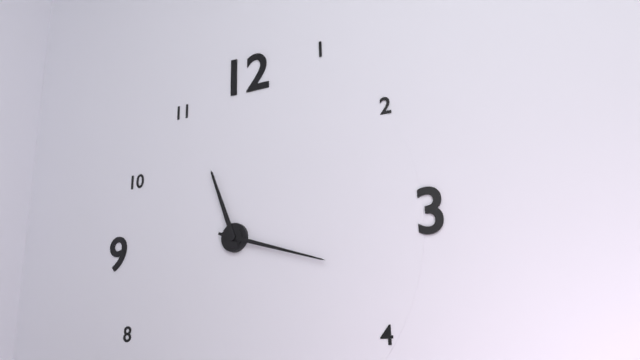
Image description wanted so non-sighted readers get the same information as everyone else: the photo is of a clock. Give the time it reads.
11:18
